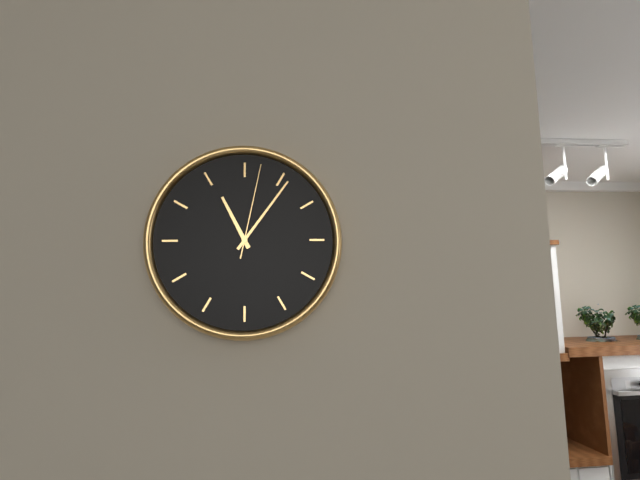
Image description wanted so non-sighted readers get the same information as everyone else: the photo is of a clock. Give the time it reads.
11:06:02
